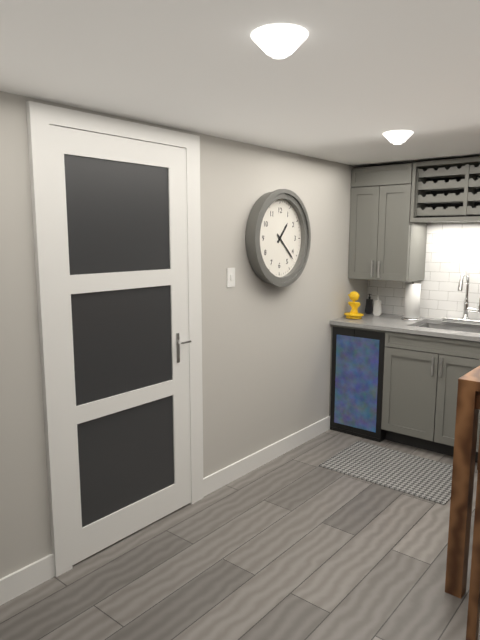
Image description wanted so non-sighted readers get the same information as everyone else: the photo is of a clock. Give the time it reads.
1:22
